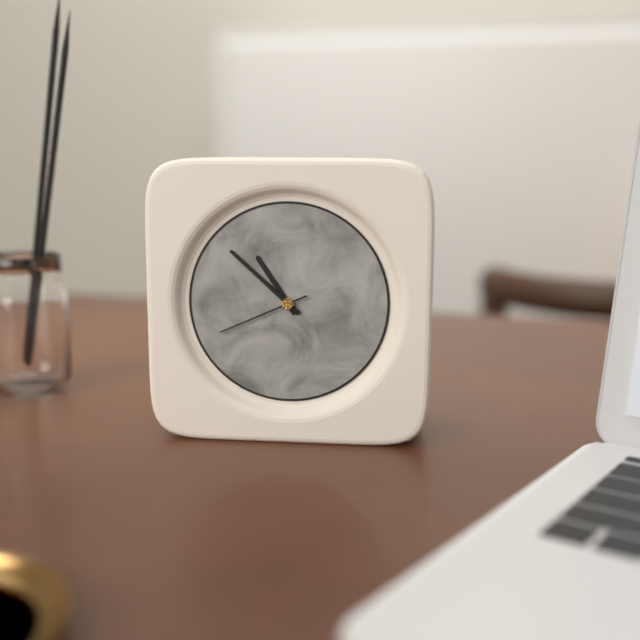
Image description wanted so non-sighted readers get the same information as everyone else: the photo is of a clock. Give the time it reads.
10:52:41
